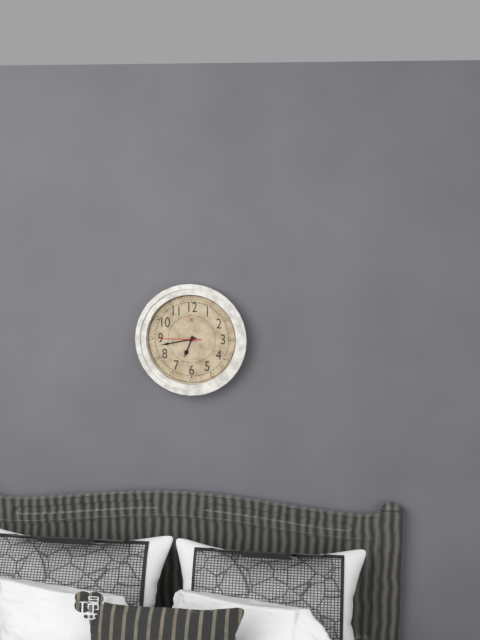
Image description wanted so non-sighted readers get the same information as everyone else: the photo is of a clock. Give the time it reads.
6:43
